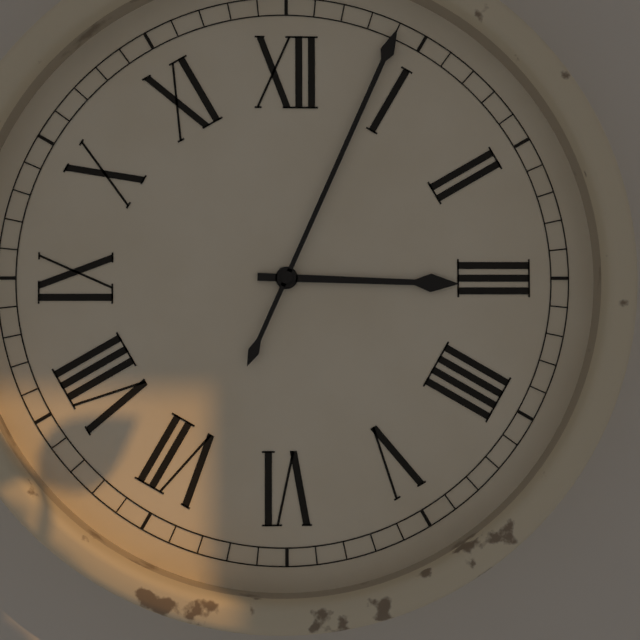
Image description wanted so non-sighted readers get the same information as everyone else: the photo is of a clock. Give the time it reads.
3:04
